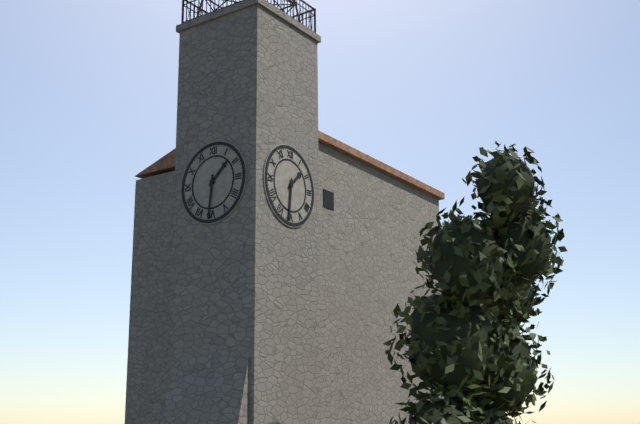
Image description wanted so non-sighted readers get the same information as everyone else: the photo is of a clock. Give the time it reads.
1:31
